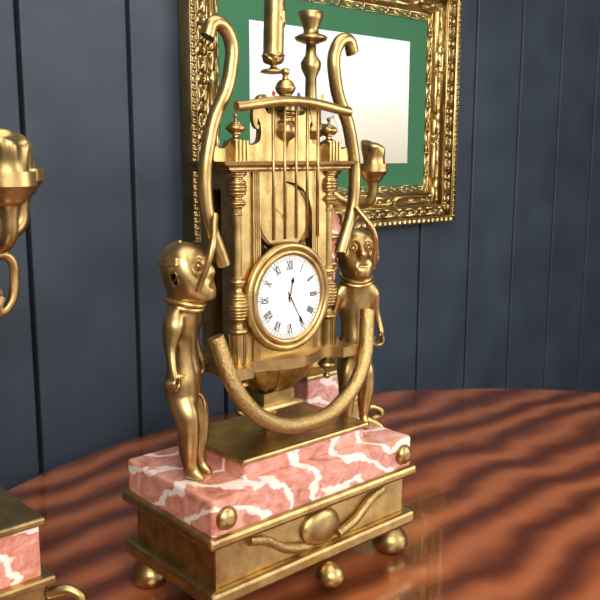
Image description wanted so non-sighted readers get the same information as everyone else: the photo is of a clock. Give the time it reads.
12:25
